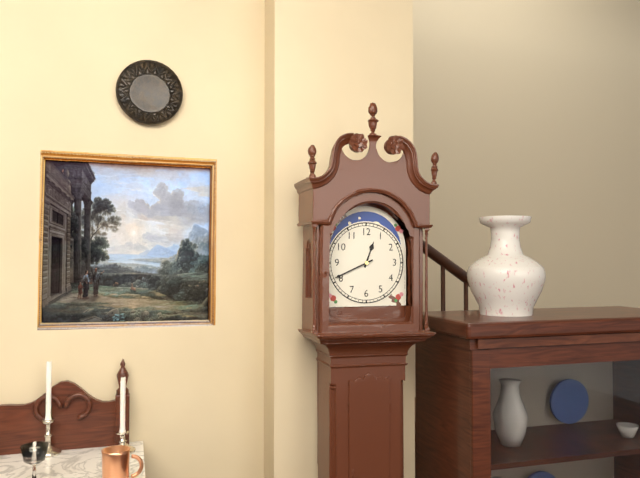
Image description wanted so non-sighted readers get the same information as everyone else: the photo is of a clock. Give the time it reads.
12:41
